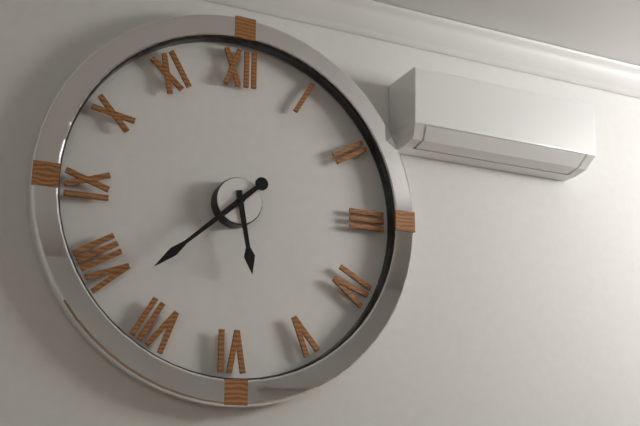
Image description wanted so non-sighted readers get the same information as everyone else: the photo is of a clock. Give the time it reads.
5:38
